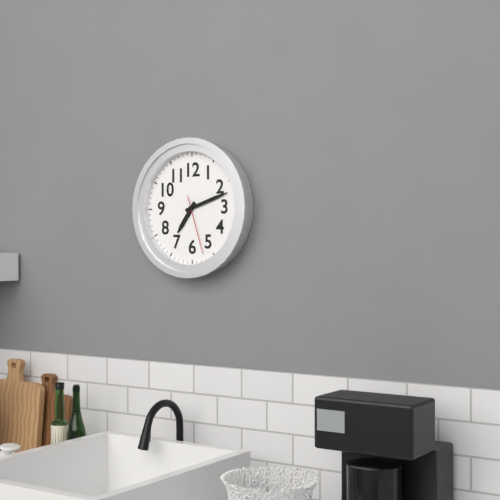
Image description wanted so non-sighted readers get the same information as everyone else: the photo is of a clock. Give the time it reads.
7:12:27
